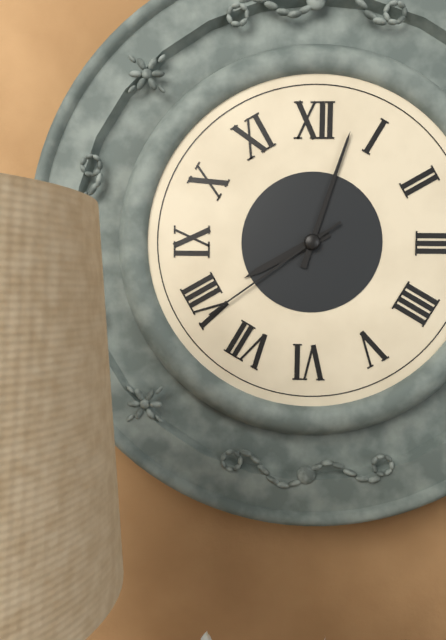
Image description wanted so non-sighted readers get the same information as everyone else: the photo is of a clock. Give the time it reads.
8:03:39
